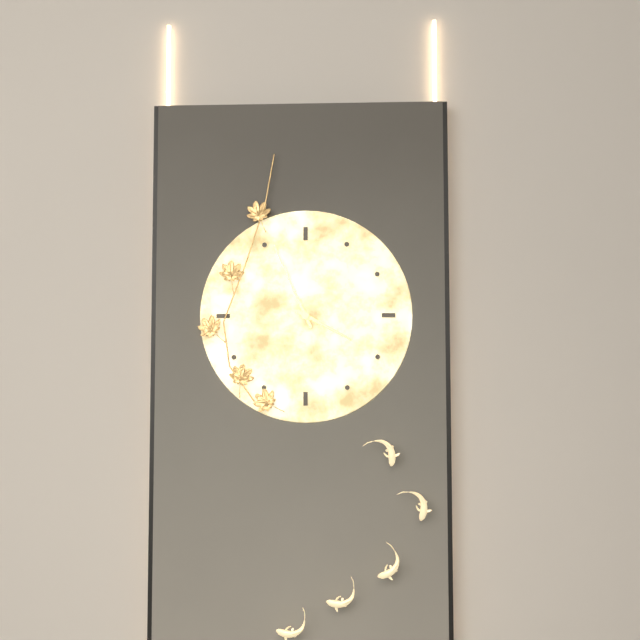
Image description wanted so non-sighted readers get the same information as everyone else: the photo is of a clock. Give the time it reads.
3:56
